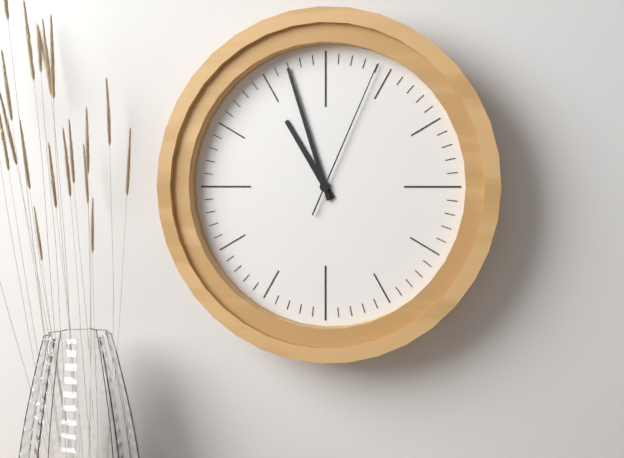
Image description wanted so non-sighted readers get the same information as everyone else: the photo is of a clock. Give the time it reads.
10:57:04
